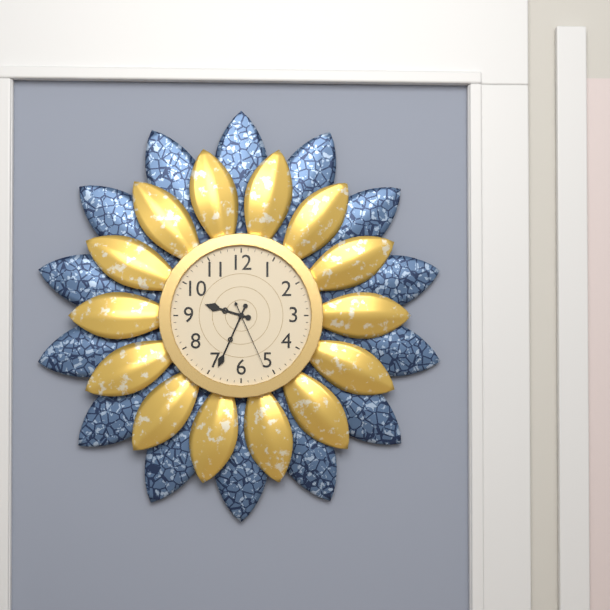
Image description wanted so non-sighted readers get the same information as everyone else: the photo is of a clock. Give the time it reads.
9:34:26
